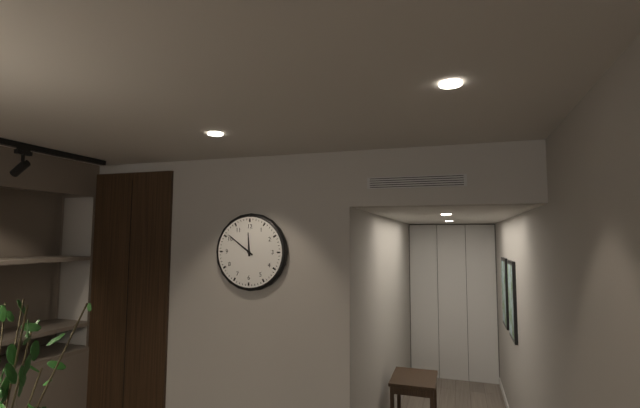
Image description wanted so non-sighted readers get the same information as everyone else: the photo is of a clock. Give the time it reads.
11:51
